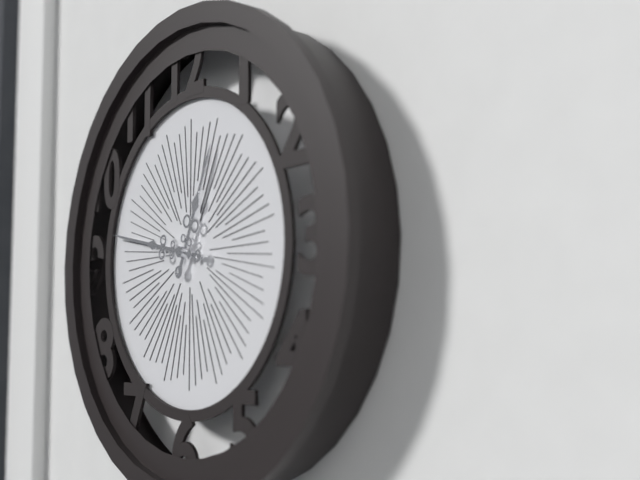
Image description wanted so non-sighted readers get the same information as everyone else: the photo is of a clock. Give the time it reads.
12:47
